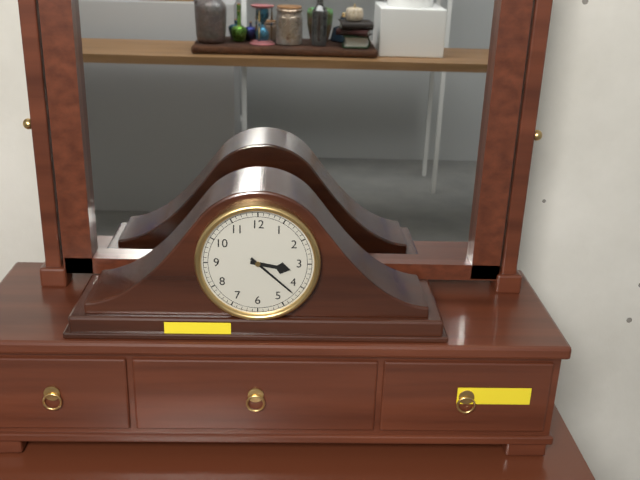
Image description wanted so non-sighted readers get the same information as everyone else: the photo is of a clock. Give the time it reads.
3:22
